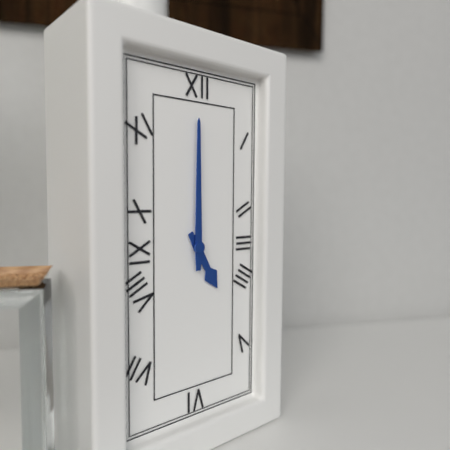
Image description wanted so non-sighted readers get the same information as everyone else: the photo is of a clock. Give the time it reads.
5:00
